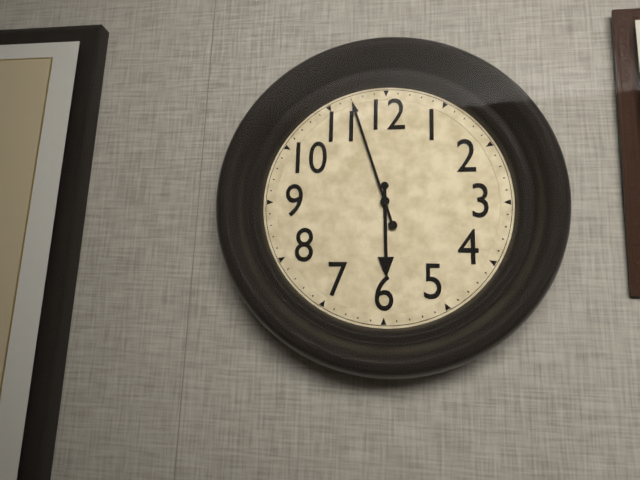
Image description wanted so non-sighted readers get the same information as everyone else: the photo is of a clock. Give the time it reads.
5:57
